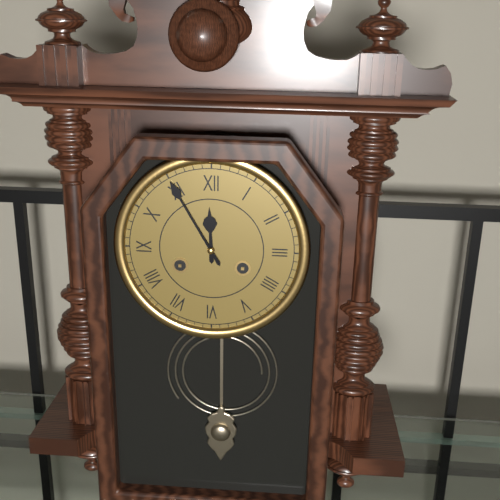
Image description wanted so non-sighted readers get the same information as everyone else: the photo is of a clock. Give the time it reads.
11:55
